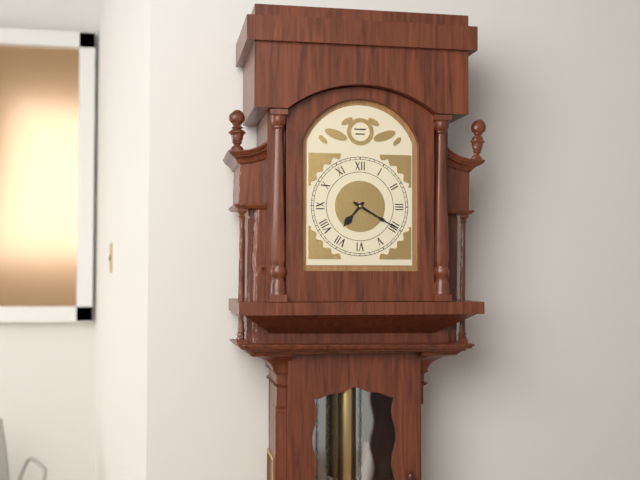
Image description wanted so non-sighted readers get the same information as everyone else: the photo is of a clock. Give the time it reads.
7:20
